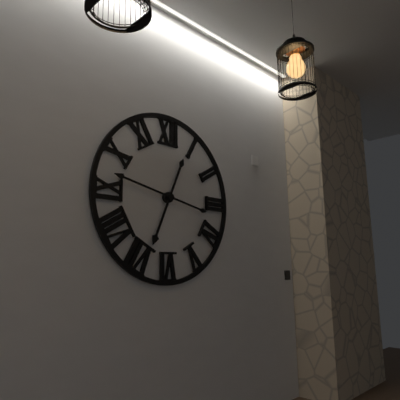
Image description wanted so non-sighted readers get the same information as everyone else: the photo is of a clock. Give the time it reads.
6:47
